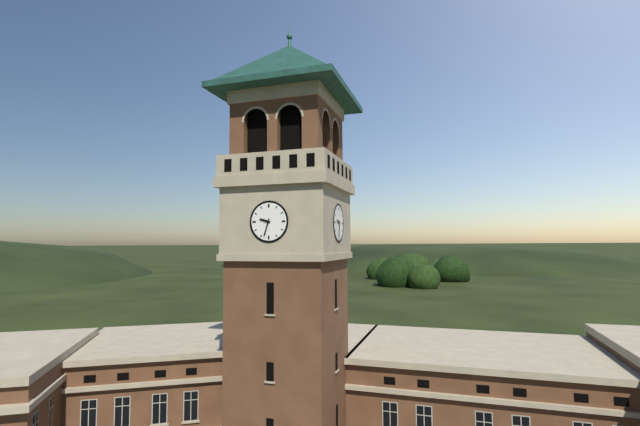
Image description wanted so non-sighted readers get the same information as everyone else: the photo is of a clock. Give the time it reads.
9:33
